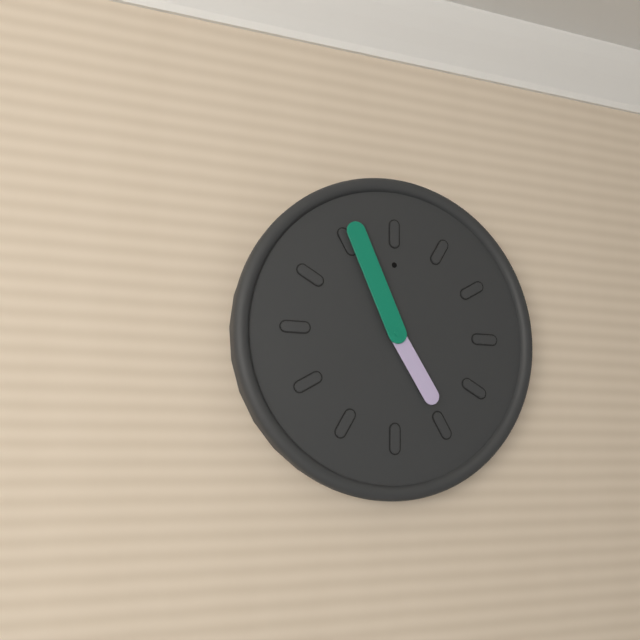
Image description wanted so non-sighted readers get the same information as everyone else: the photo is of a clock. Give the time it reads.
4:56
